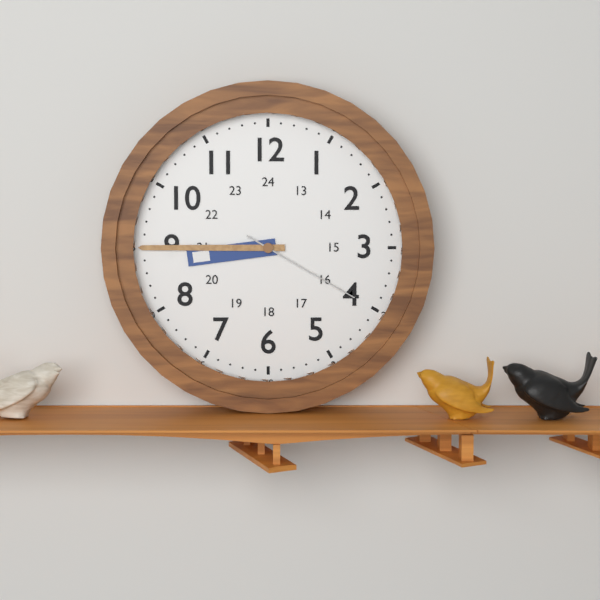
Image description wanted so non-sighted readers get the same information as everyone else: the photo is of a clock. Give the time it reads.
8:45:20
